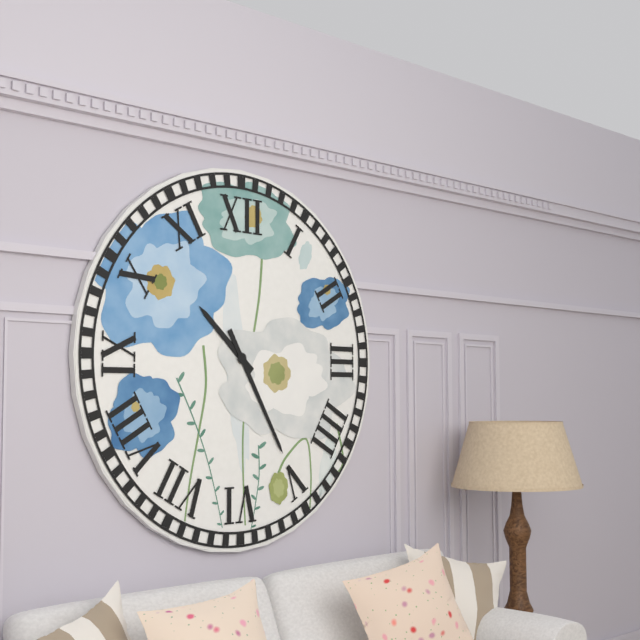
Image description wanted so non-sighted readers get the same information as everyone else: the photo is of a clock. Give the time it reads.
10:25
